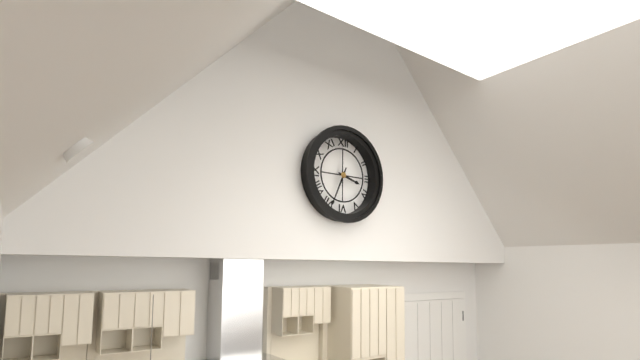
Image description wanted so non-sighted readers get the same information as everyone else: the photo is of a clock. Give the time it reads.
3:34
